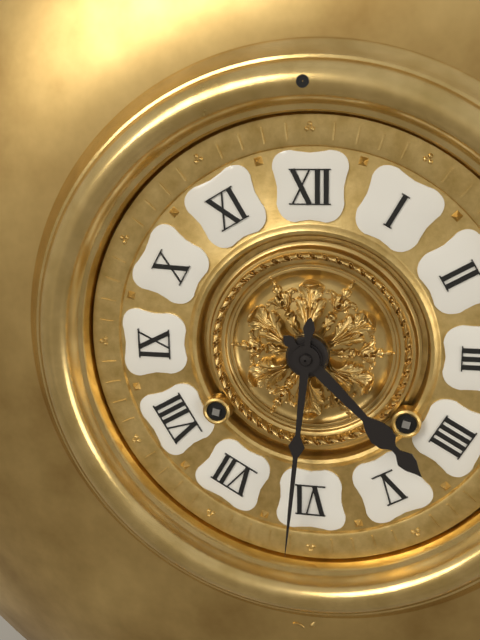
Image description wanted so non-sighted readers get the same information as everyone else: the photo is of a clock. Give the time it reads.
4:31
